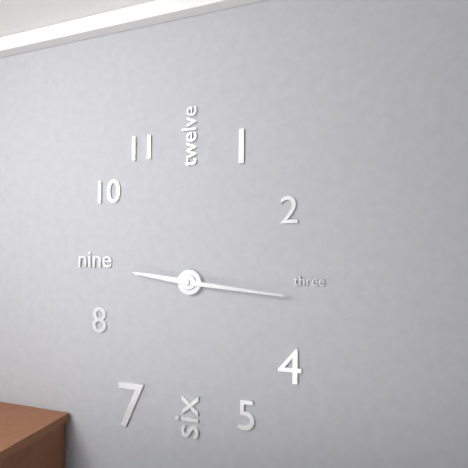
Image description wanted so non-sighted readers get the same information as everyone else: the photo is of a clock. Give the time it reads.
9:16
